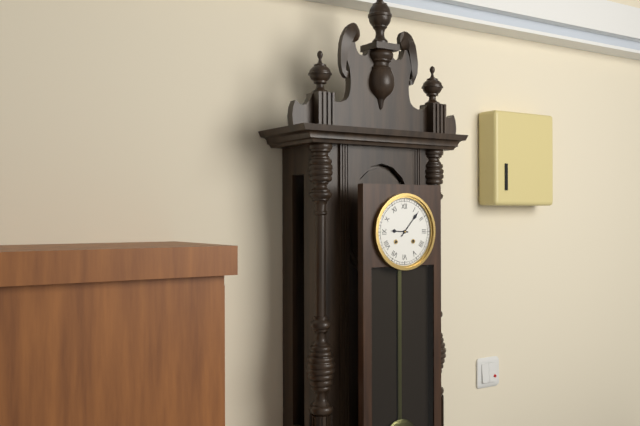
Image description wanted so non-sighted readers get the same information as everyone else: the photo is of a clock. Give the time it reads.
9:07
